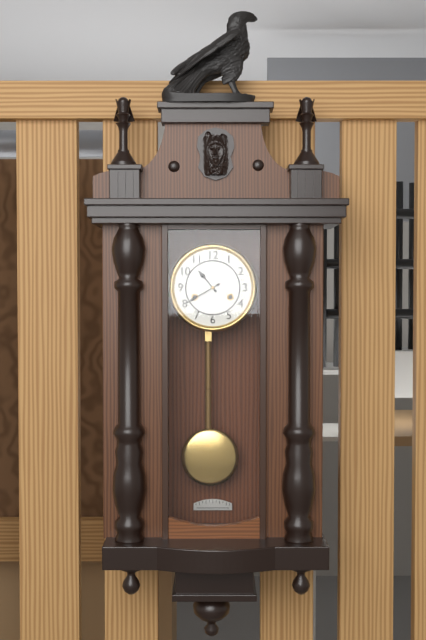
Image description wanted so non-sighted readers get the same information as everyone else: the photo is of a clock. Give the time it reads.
10:40
